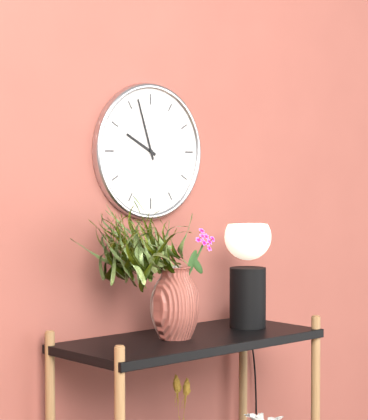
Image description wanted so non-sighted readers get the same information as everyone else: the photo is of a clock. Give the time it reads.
9:57
